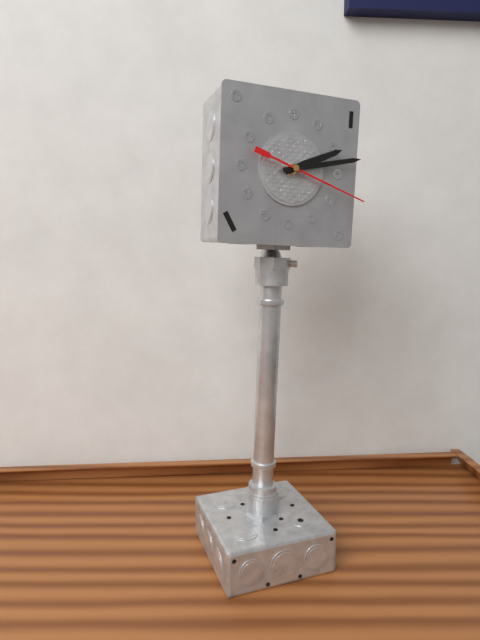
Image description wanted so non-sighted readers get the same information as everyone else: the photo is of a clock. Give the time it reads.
2:13:18
